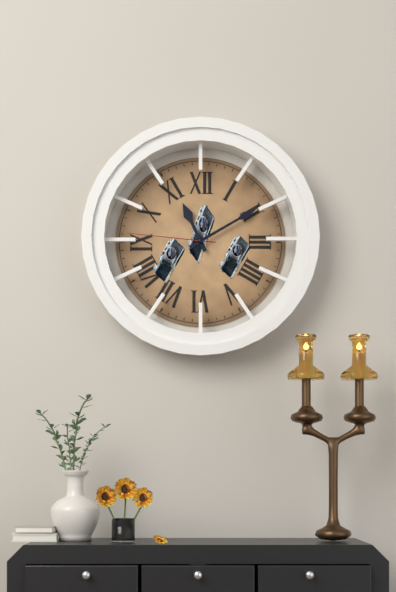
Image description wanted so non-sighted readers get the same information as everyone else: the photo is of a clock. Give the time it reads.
11:10:46
